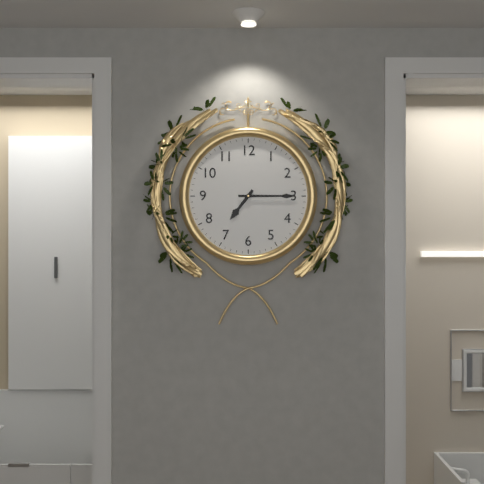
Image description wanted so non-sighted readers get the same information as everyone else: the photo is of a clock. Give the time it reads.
7:15
